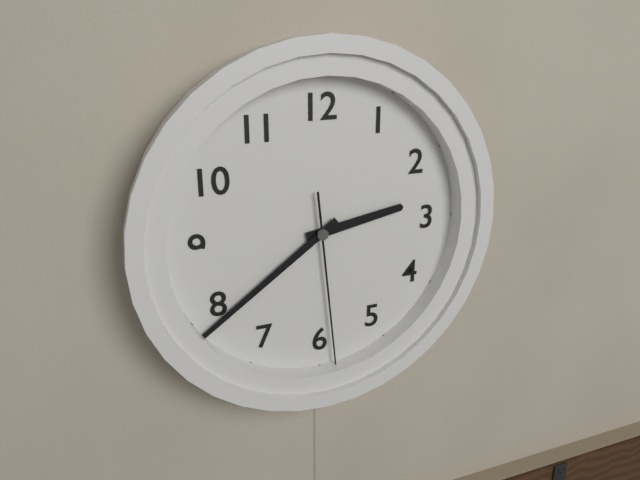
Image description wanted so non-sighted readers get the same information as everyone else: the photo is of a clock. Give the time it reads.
2:39:29
